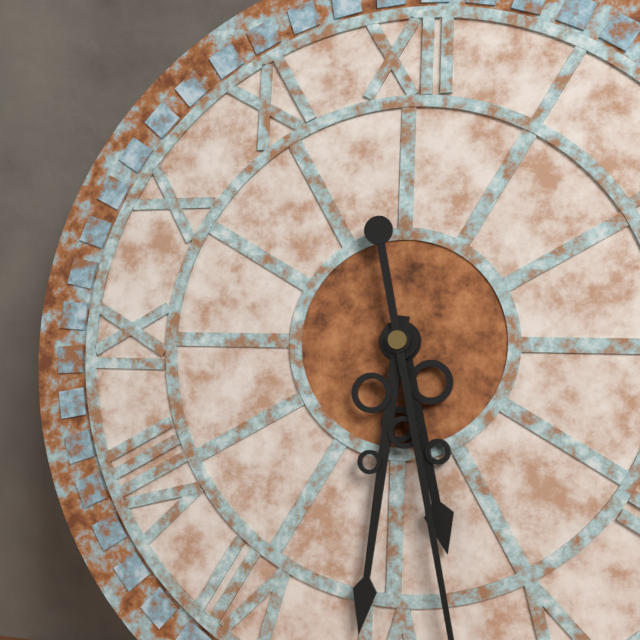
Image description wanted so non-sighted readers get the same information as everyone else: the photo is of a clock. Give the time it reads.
5:31
